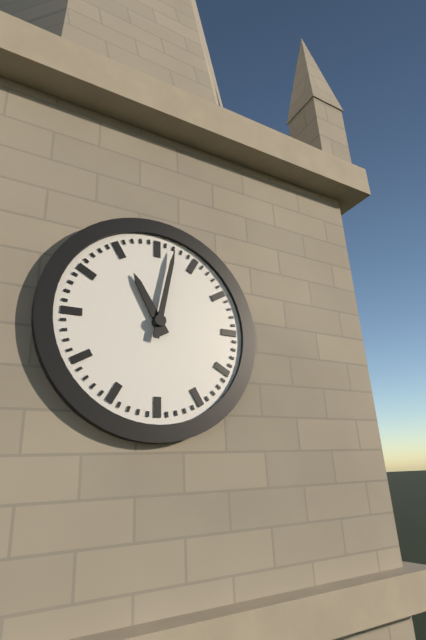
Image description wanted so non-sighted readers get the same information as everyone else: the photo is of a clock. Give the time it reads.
11:02
